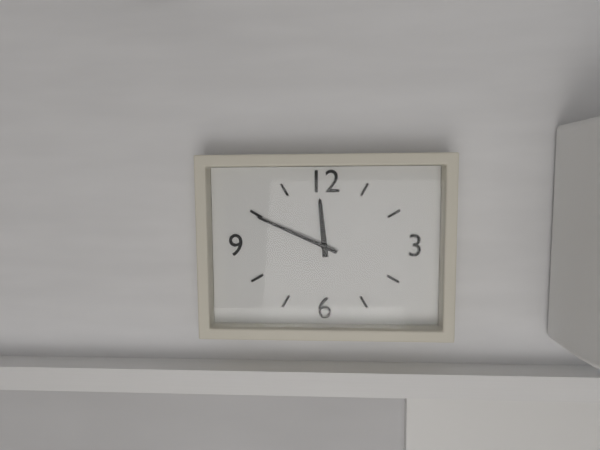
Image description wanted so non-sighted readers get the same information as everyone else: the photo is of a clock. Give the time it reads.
11:49
